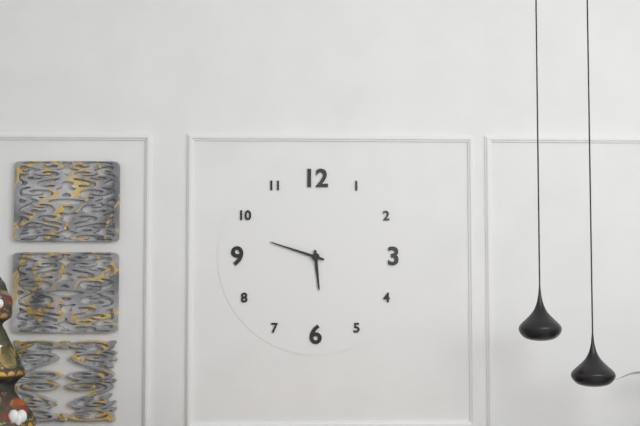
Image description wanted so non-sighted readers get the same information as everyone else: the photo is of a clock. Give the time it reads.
5:48
